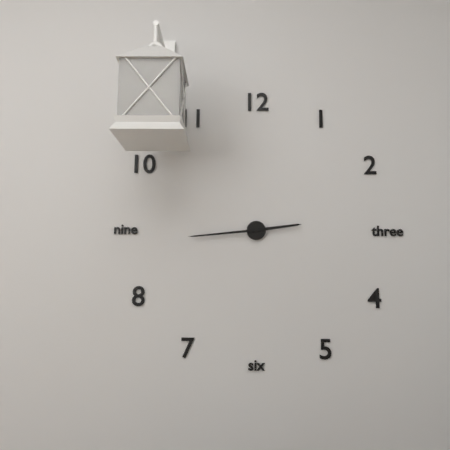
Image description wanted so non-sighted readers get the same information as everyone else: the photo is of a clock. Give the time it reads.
2:44
